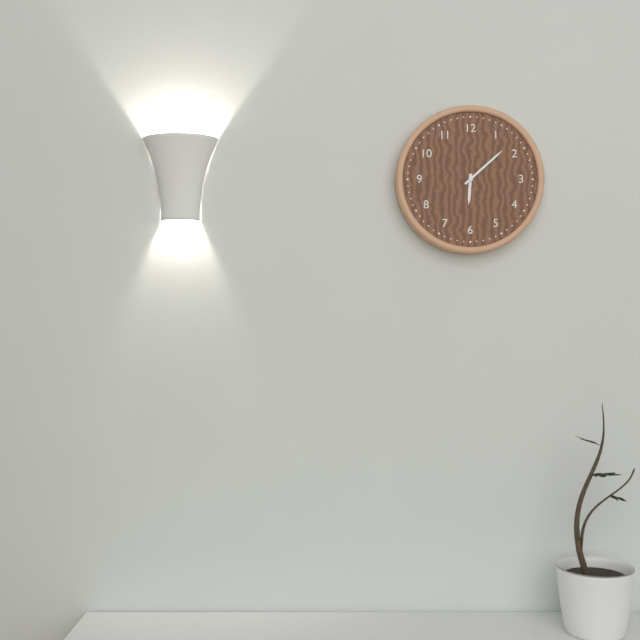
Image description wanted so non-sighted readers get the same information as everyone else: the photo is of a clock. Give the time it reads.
6:08
